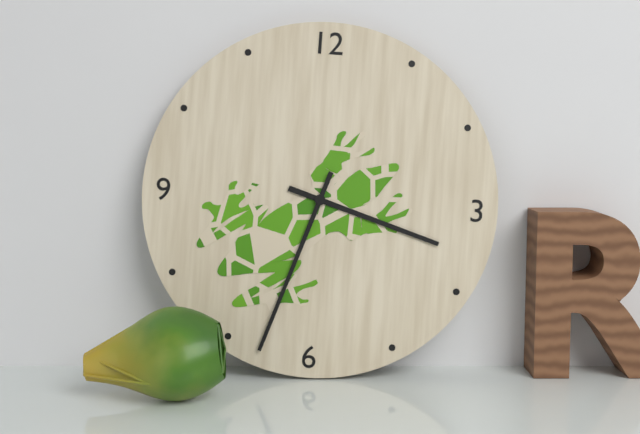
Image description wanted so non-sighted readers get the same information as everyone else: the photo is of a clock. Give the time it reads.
3:33
